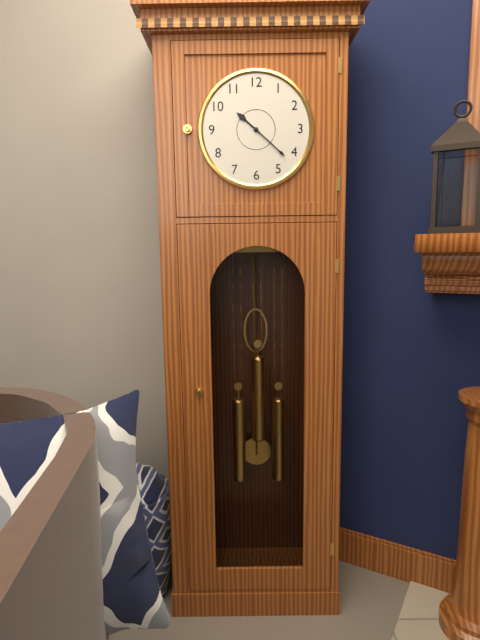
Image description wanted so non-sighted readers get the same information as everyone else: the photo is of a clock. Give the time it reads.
10:22
